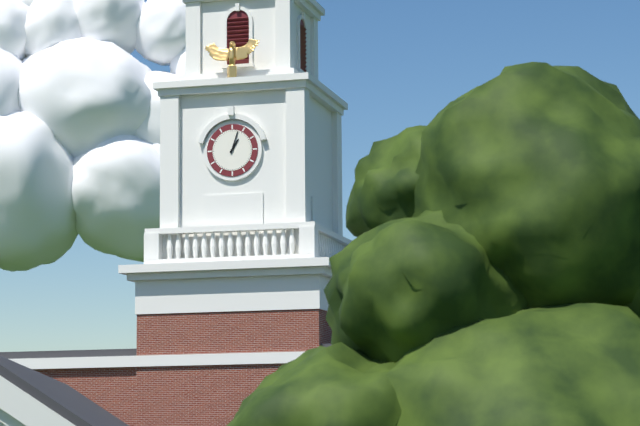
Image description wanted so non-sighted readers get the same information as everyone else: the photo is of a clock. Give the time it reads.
1:03
